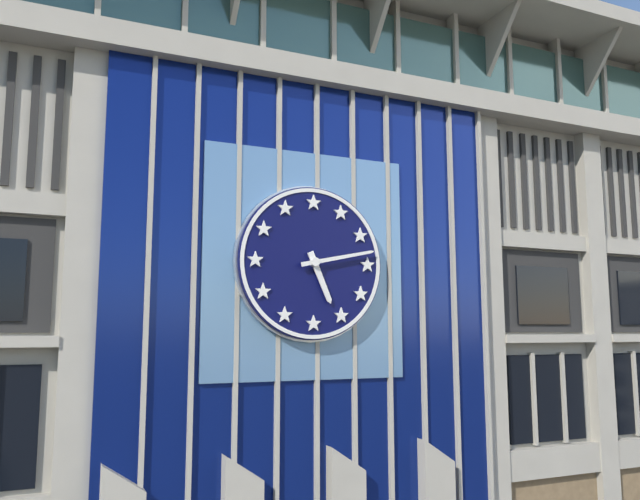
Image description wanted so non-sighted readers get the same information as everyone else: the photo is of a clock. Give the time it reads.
5:13
